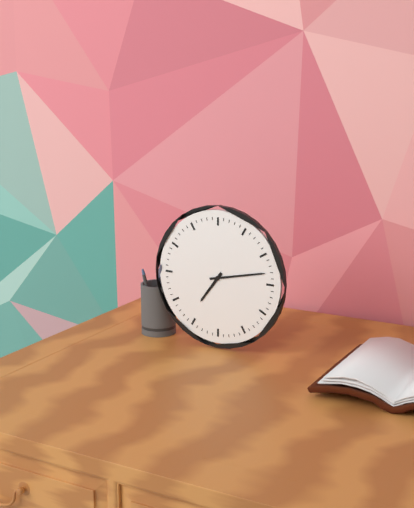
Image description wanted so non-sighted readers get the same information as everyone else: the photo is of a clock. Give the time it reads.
7:13
